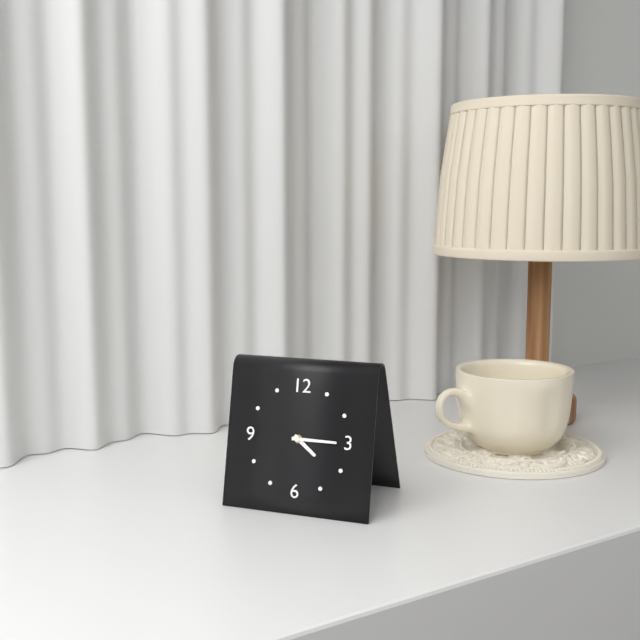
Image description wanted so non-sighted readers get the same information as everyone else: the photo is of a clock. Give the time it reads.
4:15
